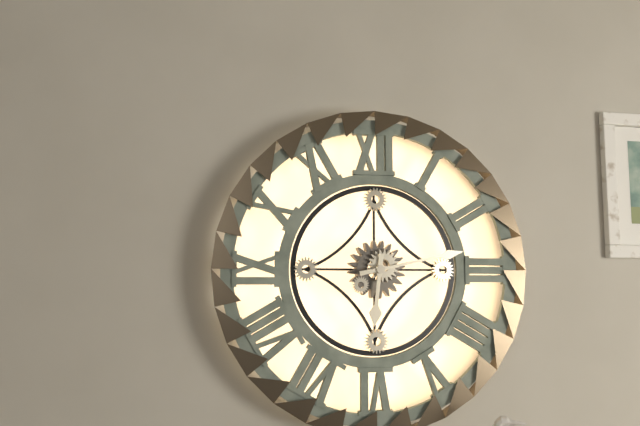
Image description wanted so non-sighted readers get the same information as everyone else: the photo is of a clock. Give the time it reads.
6:13
